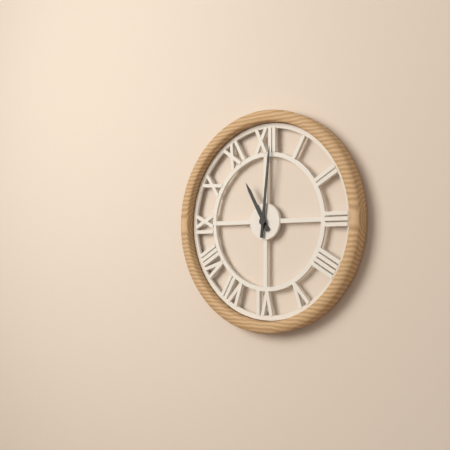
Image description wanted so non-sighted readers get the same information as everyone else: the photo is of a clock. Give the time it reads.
11:01
